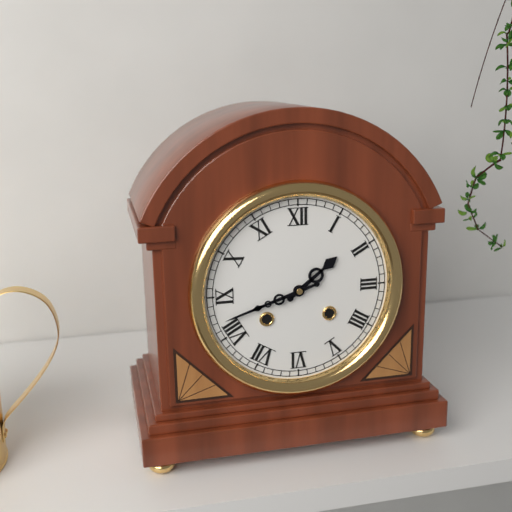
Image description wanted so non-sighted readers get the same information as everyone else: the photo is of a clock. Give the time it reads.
1:42
